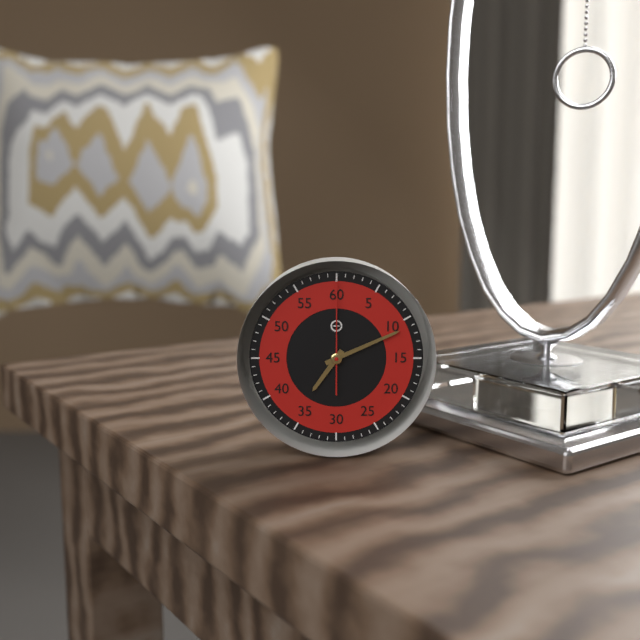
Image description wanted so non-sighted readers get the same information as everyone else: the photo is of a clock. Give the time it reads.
7:11:00
